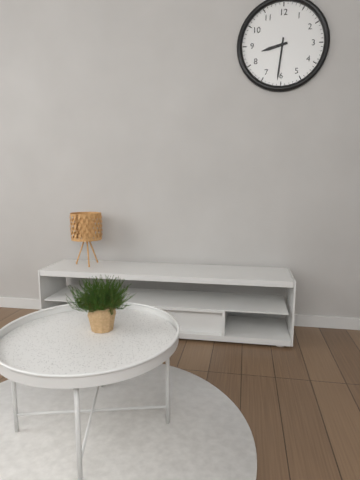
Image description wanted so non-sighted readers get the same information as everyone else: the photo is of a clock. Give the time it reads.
8:31
